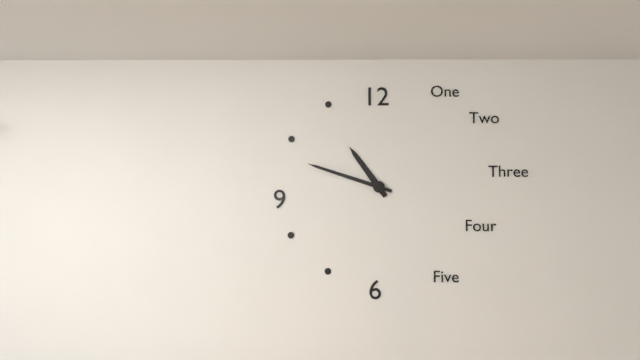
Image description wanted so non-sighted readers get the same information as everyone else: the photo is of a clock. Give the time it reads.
10:48
